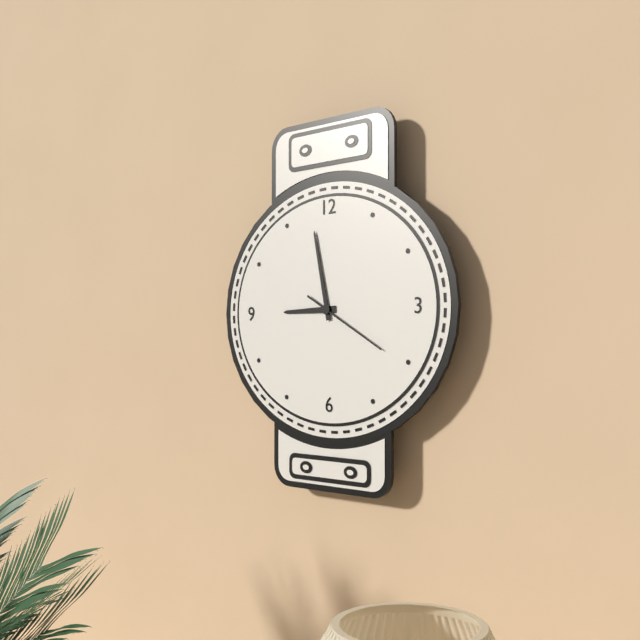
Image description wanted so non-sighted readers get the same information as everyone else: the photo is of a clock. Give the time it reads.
8:58:20
